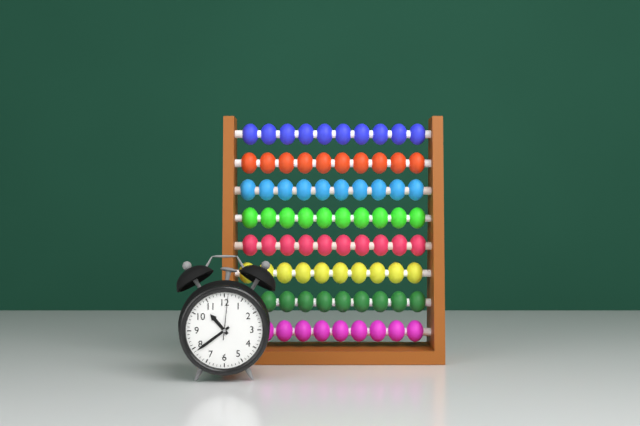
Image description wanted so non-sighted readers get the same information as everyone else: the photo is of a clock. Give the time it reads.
10:39
